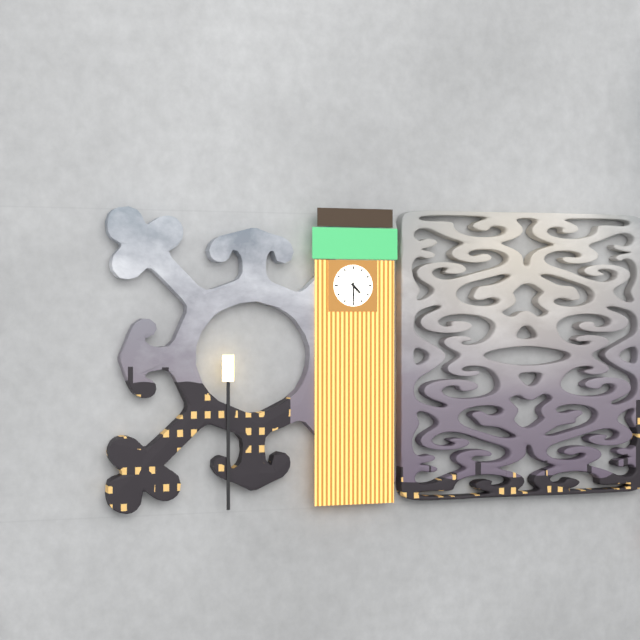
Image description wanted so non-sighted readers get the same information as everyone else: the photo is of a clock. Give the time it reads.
4:30
